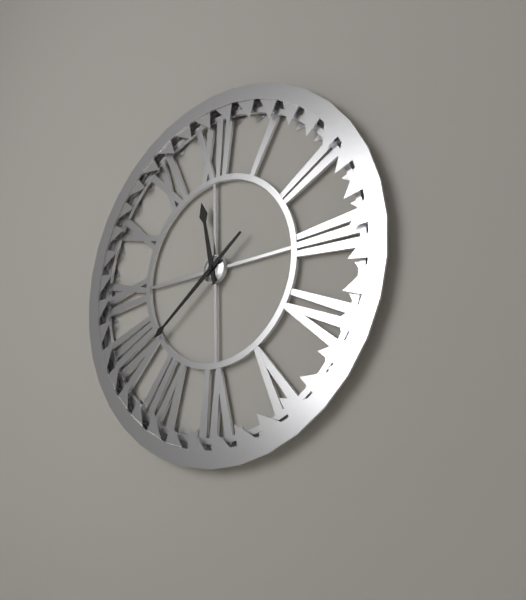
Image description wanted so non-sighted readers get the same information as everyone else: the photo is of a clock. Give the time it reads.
11:39
